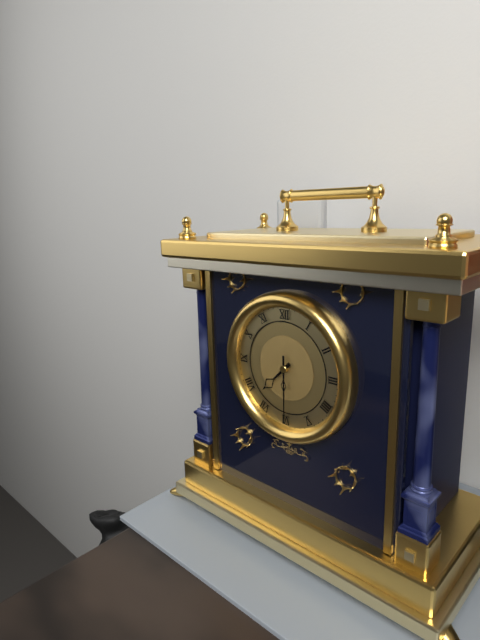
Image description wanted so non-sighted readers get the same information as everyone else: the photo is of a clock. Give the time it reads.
7:30
